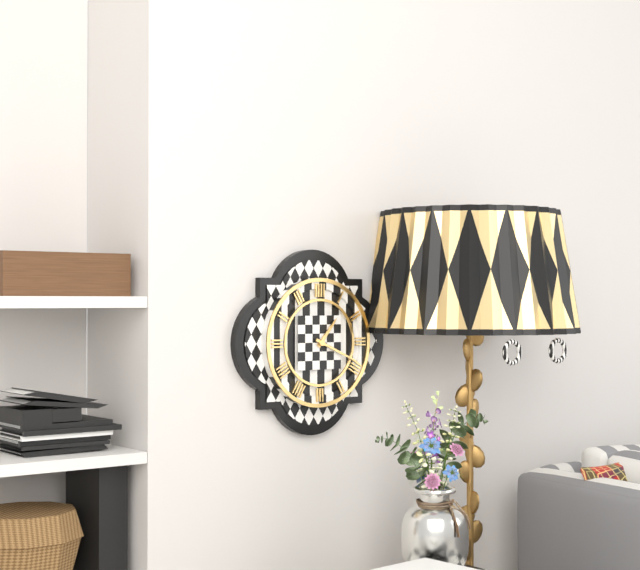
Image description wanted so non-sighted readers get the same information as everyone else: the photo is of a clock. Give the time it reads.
1:19
